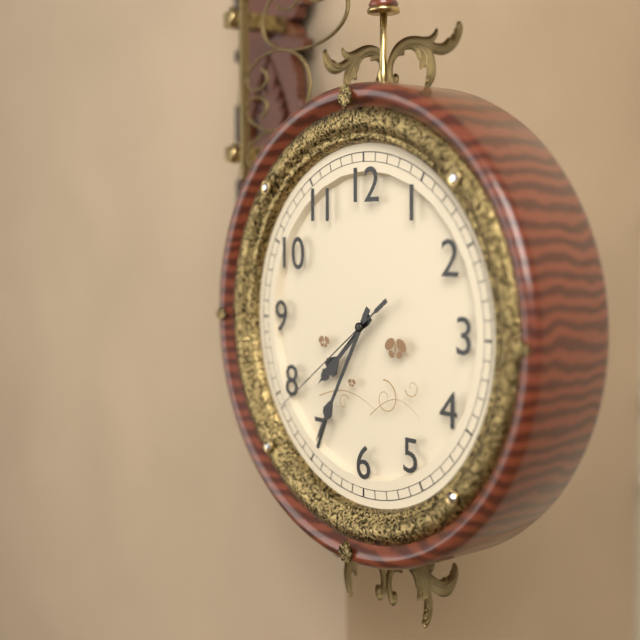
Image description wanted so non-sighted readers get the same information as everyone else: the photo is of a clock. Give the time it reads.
7:35:39
